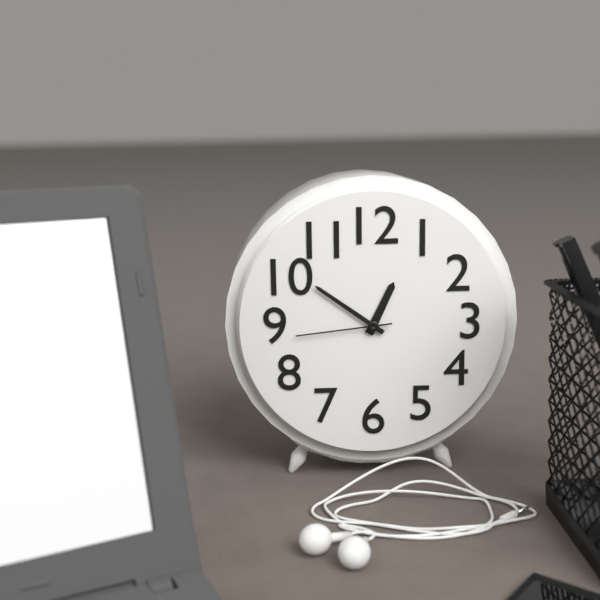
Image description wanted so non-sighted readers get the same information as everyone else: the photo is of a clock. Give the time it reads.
12:51:44
